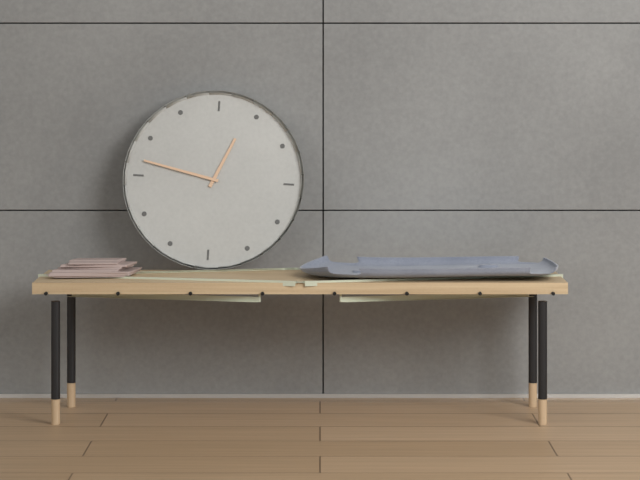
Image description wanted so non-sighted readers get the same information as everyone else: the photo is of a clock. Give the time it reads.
12:47
